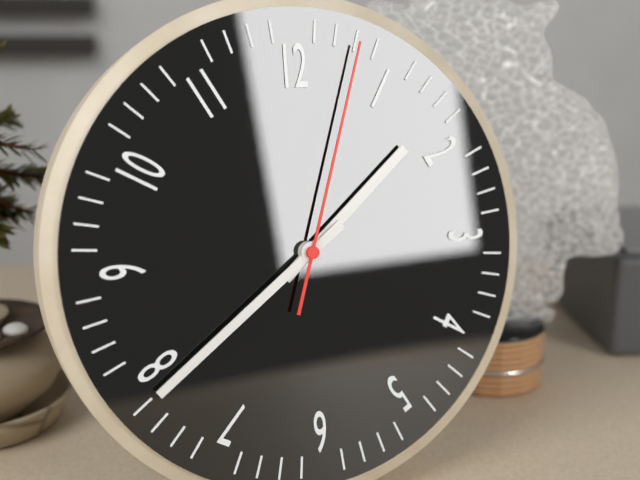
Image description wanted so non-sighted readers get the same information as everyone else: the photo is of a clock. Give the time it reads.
1:39:03
